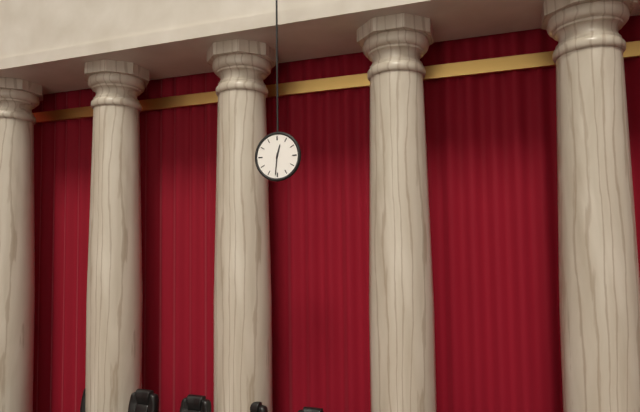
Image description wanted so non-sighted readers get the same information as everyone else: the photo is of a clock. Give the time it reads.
12:31
